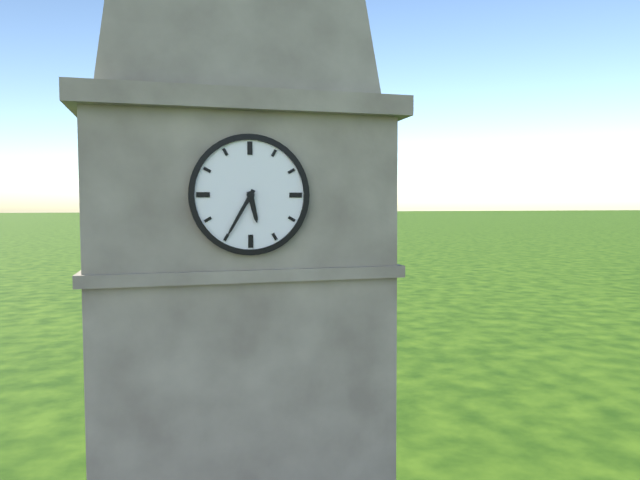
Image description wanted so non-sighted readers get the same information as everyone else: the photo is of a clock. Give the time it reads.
5:35
